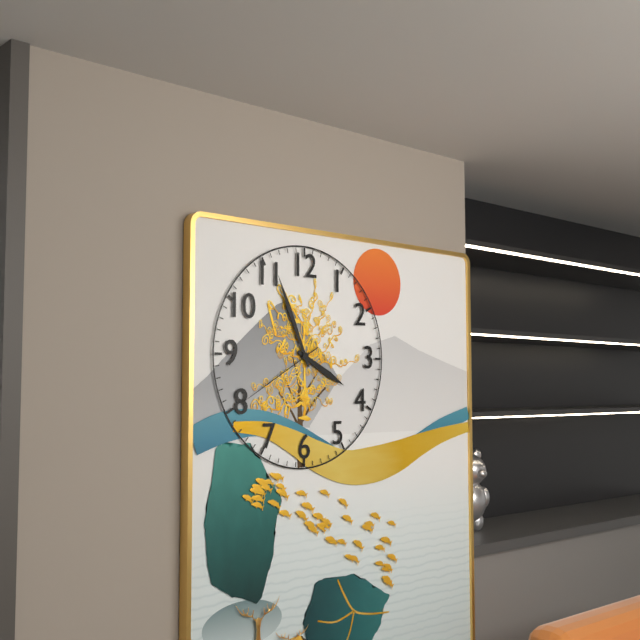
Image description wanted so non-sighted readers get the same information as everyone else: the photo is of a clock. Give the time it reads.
3:56:40
